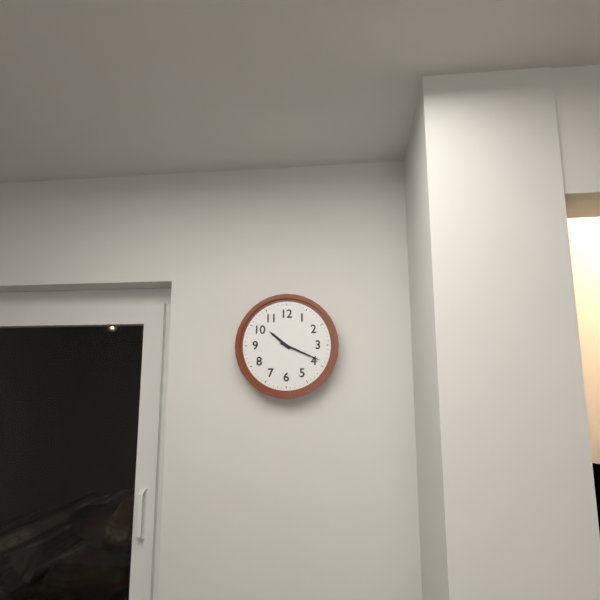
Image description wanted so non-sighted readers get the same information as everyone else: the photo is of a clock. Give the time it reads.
10:19
